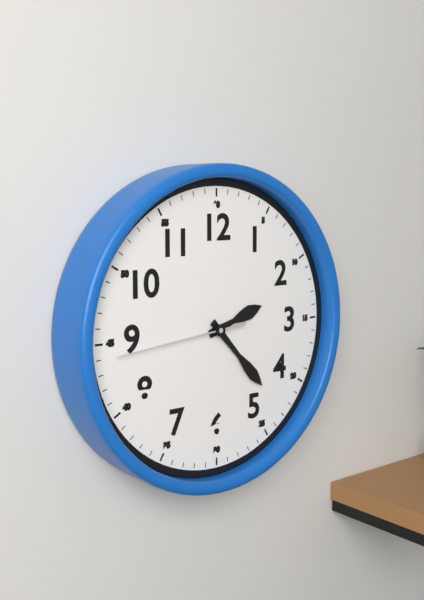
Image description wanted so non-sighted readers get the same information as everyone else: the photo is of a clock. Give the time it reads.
2:23:44
